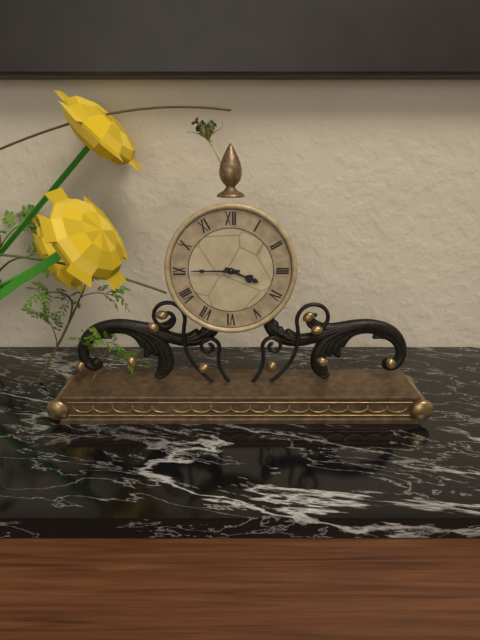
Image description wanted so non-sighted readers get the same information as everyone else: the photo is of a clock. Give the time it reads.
3:45
